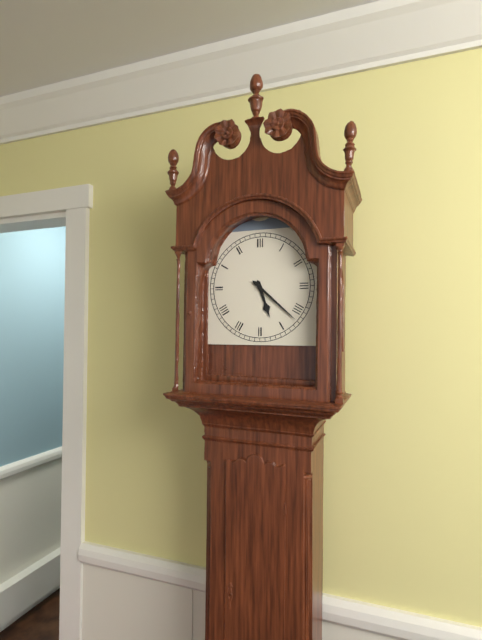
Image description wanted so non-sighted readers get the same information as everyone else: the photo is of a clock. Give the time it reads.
5:22
